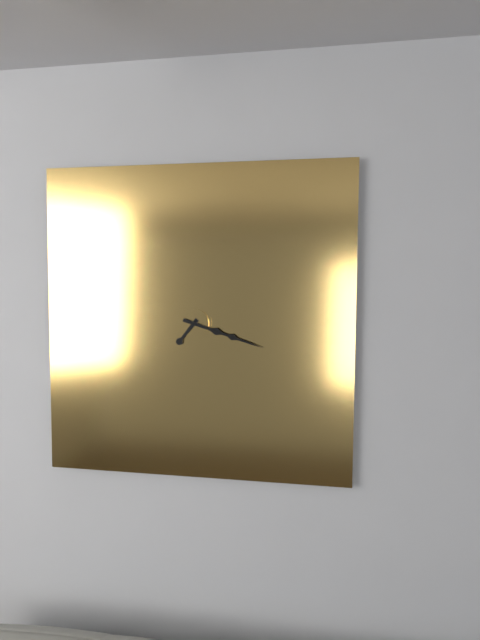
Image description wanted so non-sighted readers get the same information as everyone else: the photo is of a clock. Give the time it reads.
7:18
